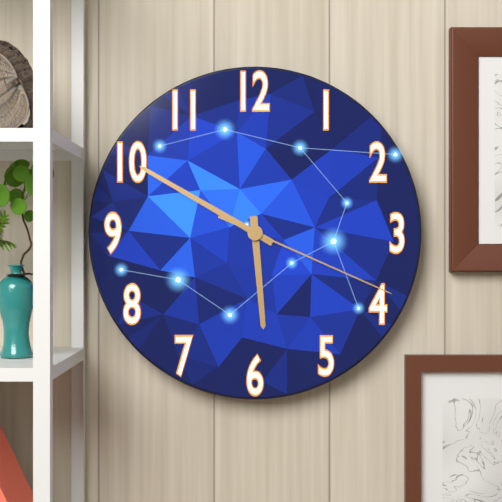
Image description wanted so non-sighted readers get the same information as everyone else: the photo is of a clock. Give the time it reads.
5:50:19
